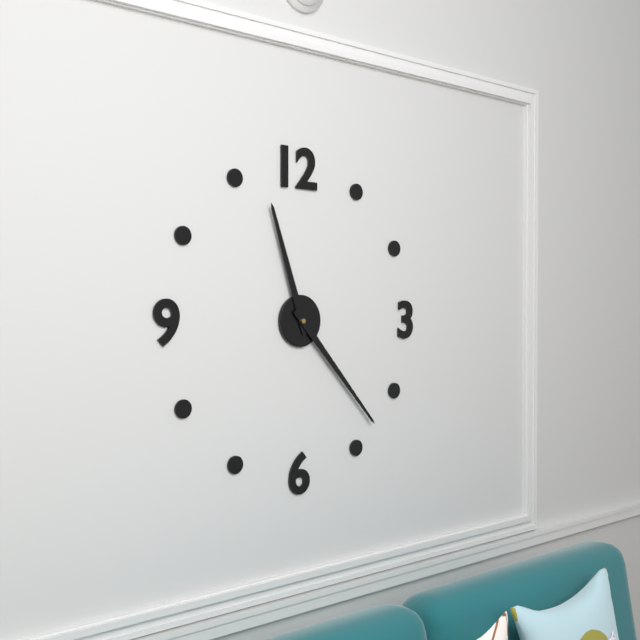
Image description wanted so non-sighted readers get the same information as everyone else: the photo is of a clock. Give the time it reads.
11:23
